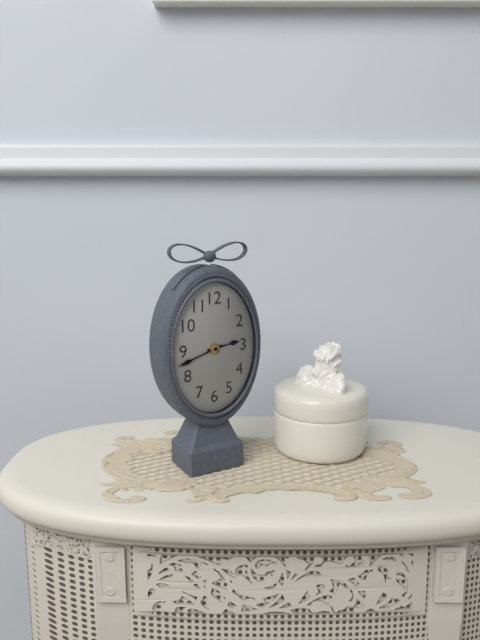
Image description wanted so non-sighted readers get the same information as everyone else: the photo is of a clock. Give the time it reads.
2:42
